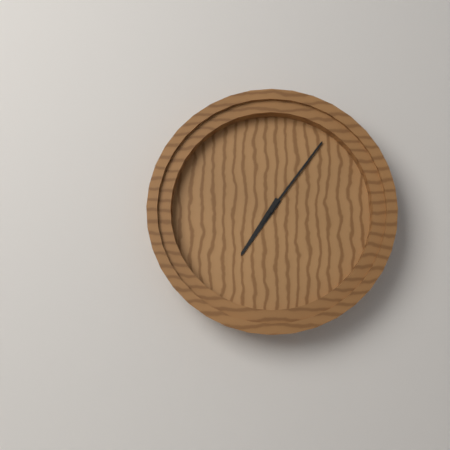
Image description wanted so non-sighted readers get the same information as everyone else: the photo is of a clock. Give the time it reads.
7:06
